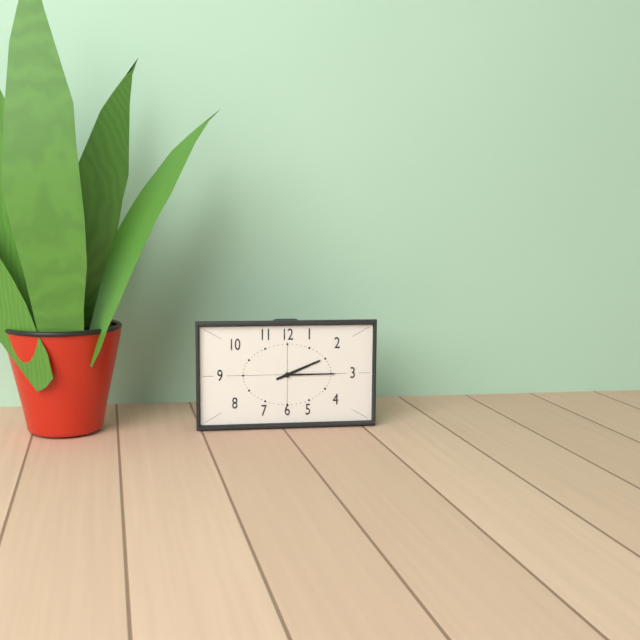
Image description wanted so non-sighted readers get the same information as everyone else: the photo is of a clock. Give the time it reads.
2:15
